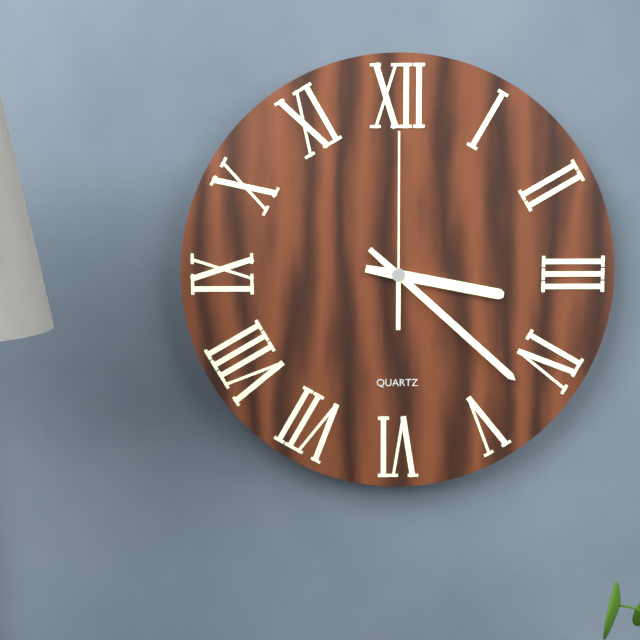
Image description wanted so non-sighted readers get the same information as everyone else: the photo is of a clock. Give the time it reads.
3:22:00
